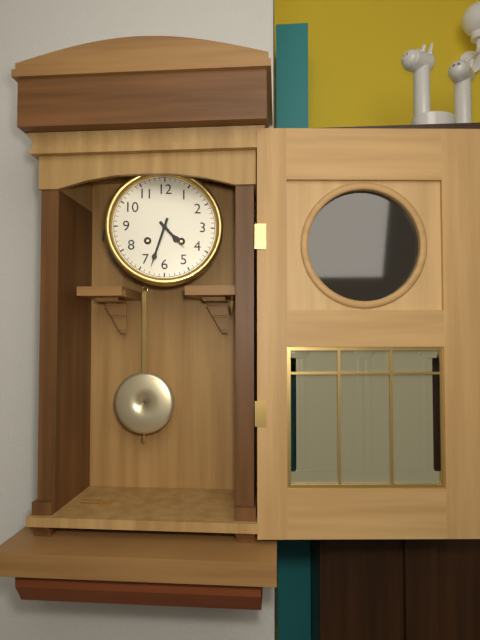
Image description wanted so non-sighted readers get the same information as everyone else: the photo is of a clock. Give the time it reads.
4:33
